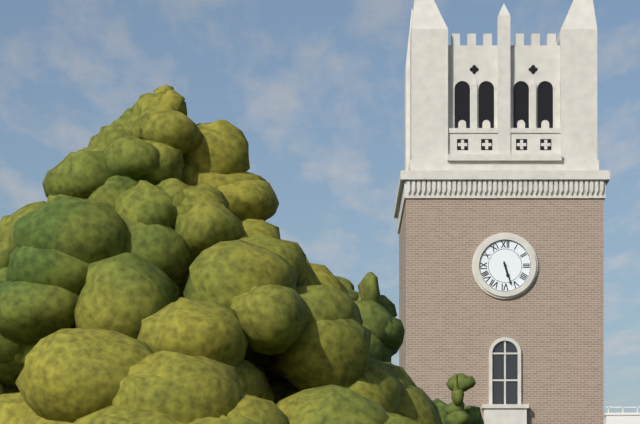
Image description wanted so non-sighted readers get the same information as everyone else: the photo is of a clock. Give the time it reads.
5:27
